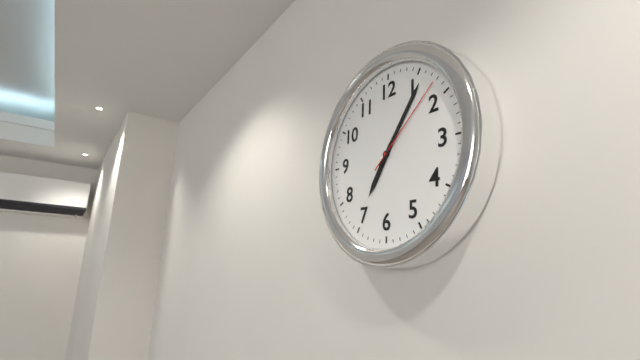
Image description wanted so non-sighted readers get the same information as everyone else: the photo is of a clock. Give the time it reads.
7:06:08
